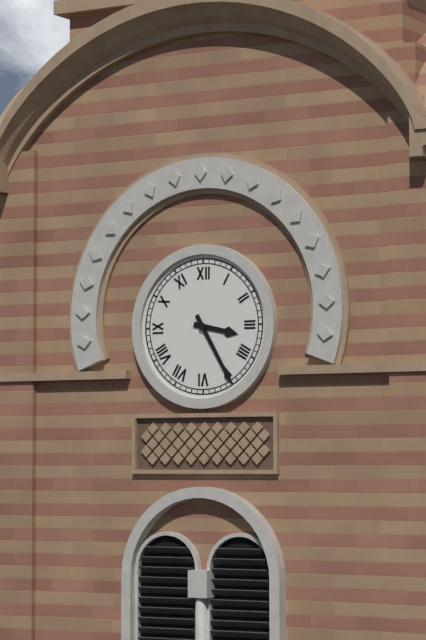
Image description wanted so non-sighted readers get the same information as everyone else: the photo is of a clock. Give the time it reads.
3:25
